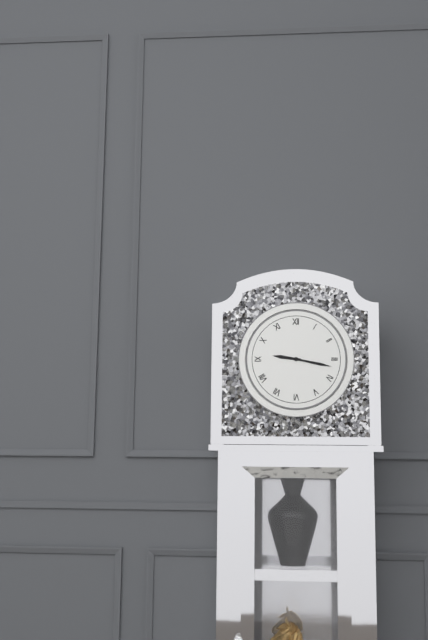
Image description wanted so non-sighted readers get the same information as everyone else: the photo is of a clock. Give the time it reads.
9:17
